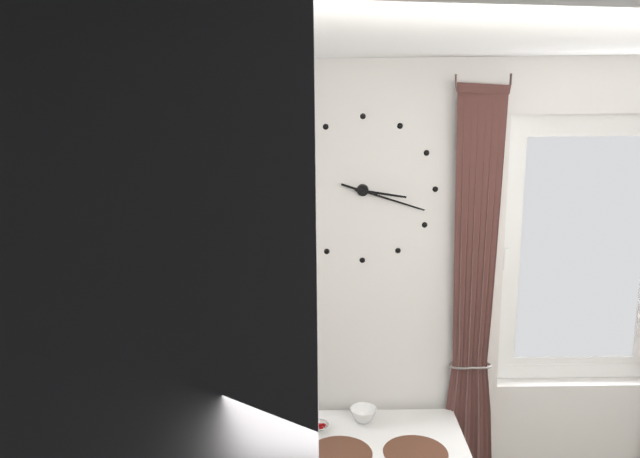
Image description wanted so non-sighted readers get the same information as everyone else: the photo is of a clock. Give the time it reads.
3:18
